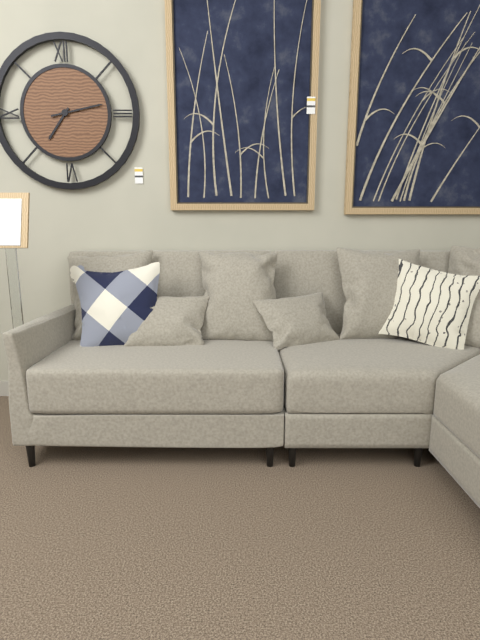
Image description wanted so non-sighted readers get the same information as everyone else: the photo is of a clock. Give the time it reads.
7:13
